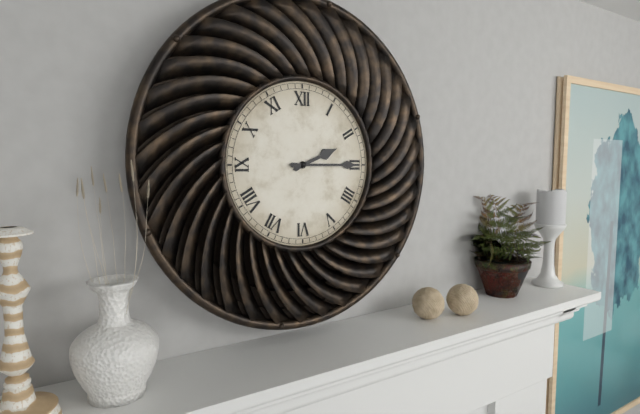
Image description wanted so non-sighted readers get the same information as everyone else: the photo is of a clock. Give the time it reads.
2:15
